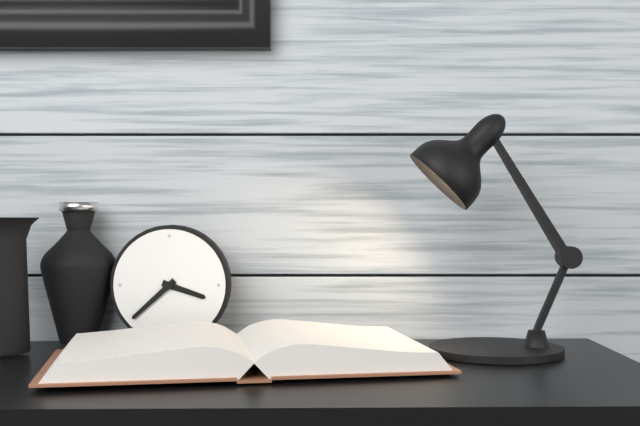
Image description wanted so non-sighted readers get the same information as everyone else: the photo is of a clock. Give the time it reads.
3:38
